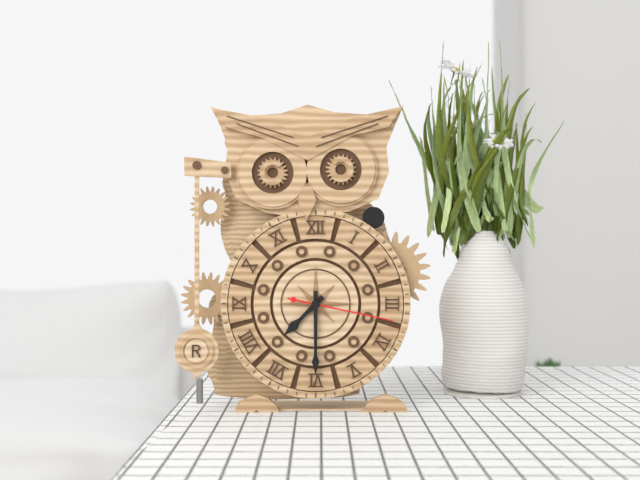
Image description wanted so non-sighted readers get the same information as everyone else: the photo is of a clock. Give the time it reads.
7:30:17
